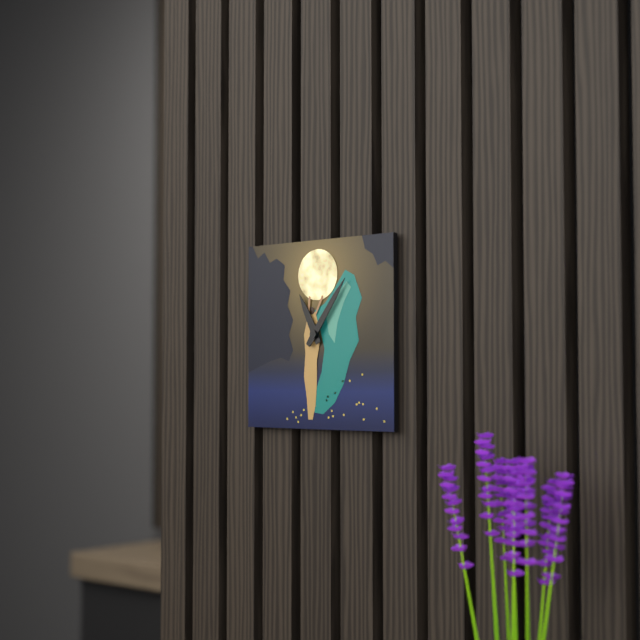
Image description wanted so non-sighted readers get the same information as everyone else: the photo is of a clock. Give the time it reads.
11:06
